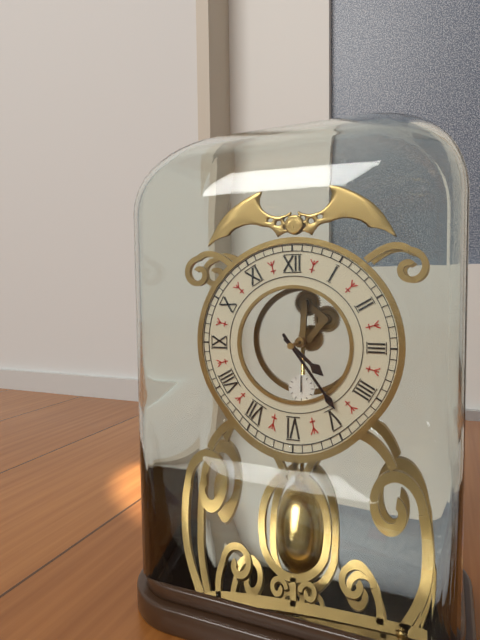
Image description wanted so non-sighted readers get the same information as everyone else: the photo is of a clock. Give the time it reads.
4:24
